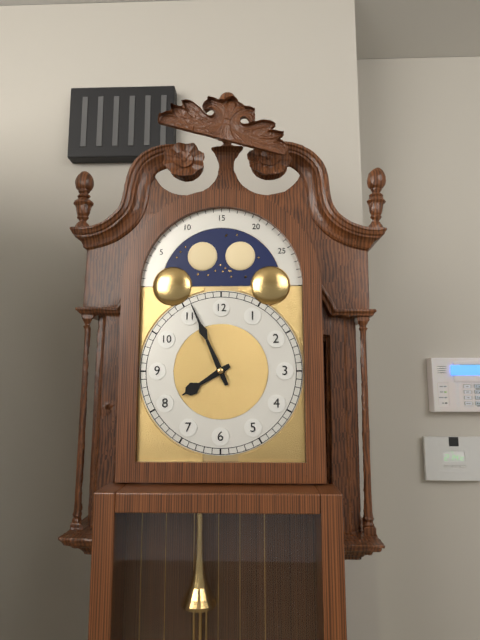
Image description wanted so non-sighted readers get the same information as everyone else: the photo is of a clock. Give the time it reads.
7:56
